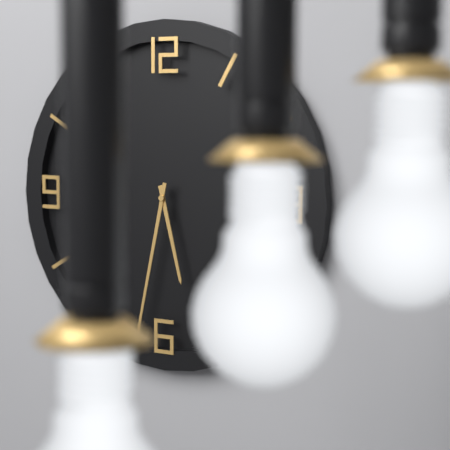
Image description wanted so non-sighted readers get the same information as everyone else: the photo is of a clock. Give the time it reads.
5:32
